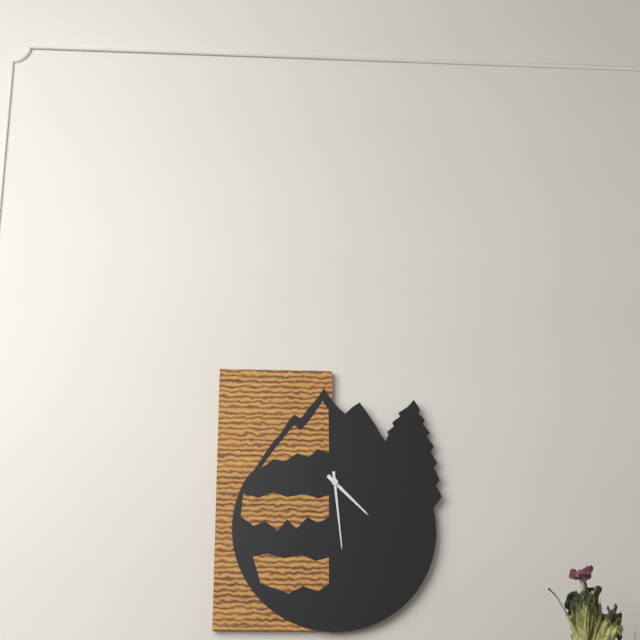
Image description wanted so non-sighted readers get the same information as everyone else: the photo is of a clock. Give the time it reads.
4:29
